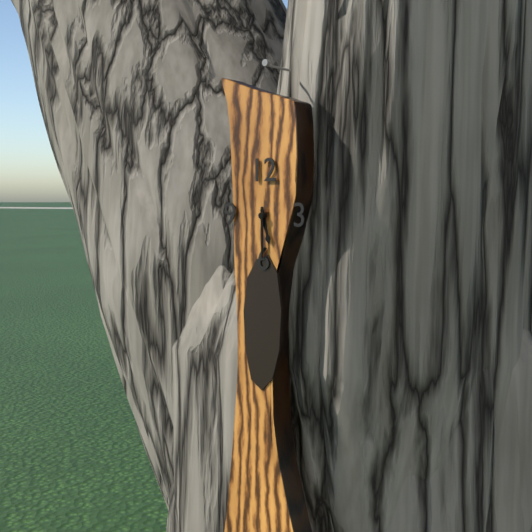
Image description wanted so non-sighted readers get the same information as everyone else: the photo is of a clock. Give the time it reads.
5:30
